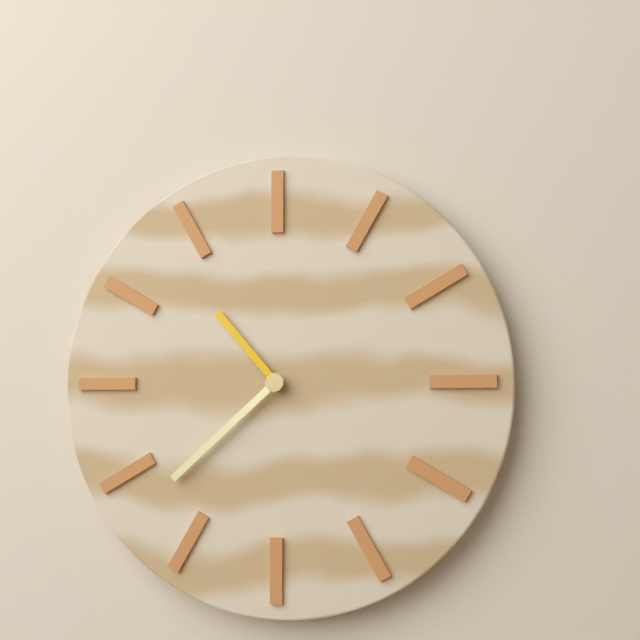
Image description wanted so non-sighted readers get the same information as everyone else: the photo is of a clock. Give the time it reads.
10:38
